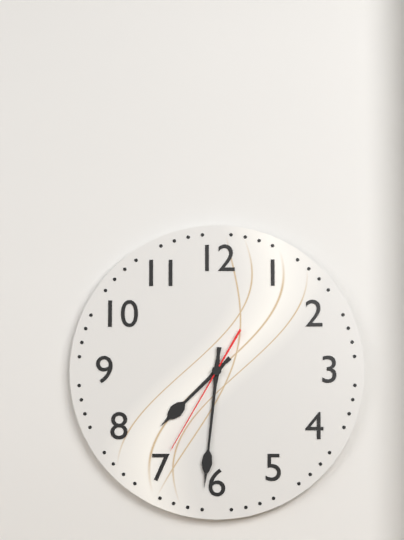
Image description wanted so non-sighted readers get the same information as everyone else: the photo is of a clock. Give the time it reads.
7:31:35
